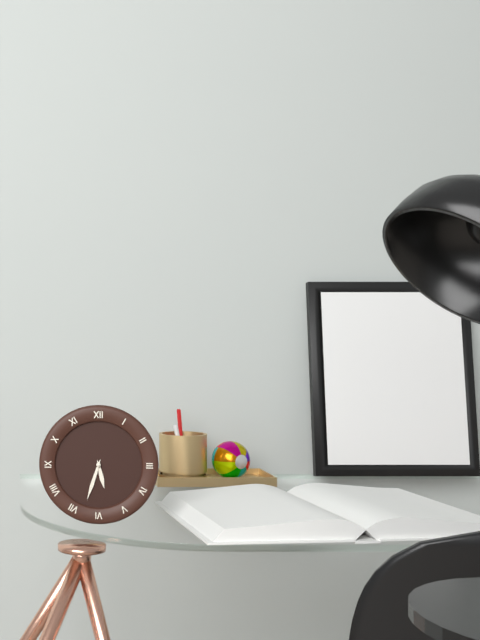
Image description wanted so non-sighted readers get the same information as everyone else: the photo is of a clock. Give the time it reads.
5:33
